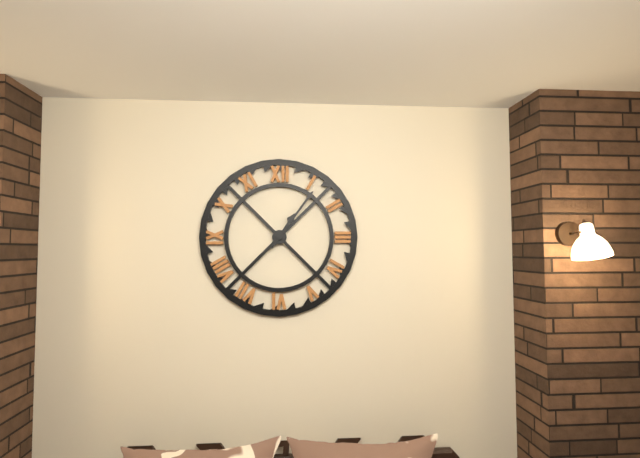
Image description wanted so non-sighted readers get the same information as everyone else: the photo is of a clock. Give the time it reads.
1:06
